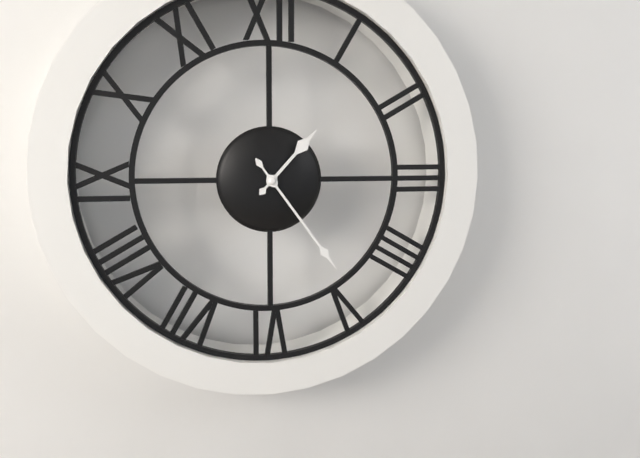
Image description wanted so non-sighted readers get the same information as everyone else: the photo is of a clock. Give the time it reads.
1:24
